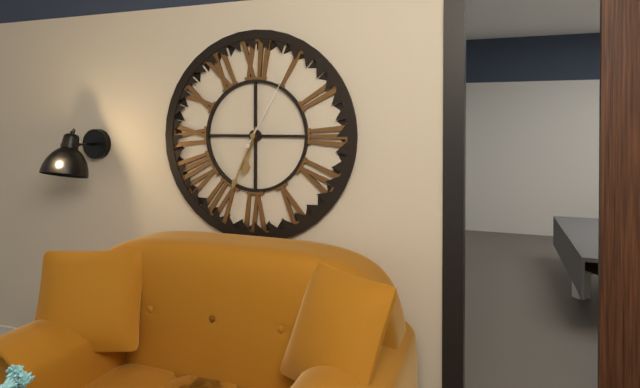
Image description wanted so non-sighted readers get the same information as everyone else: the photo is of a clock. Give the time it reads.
6:34:05
